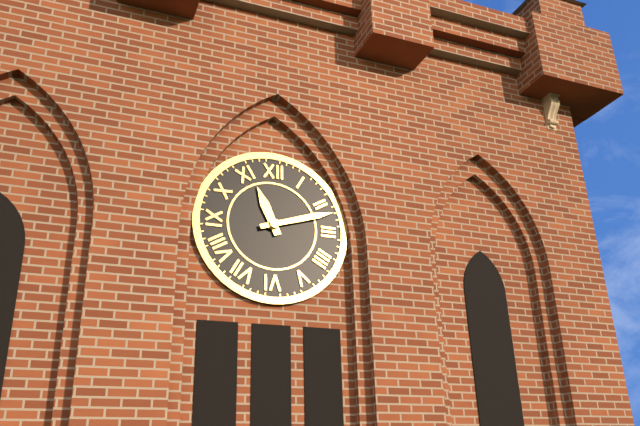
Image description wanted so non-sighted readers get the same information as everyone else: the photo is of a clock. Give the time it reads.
11:12
